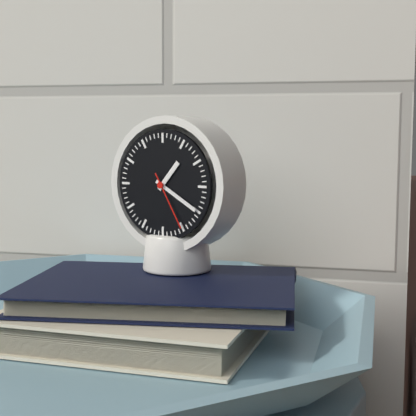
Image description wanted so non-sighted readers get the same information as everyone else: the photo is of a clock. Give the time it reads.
1:20:25
